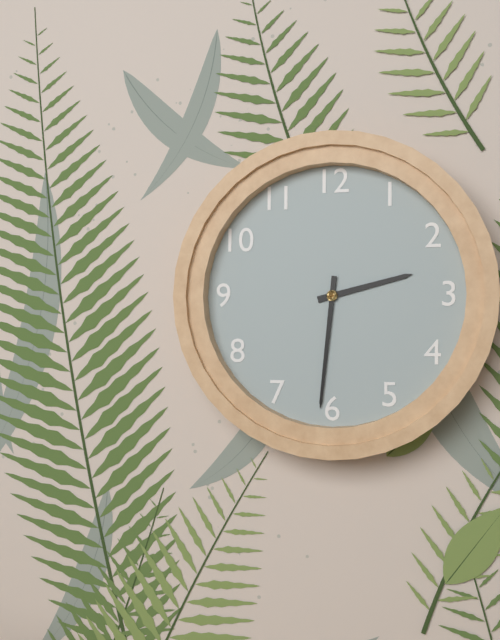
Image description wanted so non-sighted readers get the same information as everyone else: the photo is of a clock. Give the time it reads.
2:31
